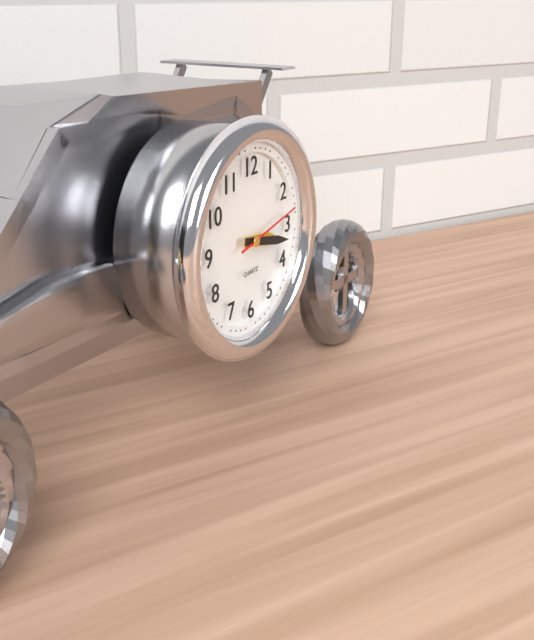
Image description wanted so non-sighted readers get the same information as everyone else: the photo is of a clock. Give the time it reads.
3:17:13
